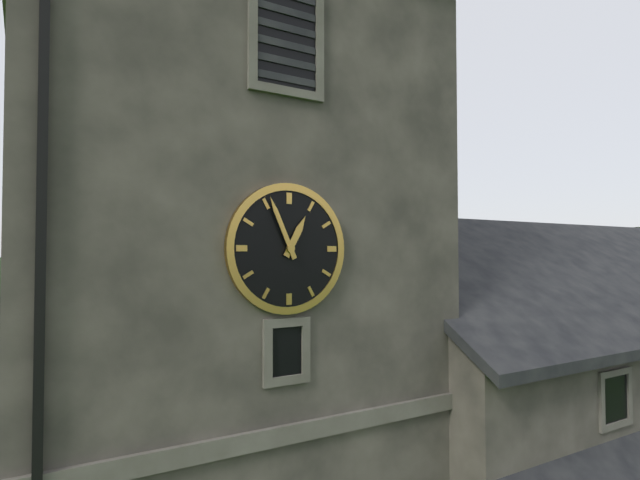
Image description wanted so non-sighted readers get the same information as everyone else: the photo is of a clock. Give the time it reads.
12:56
